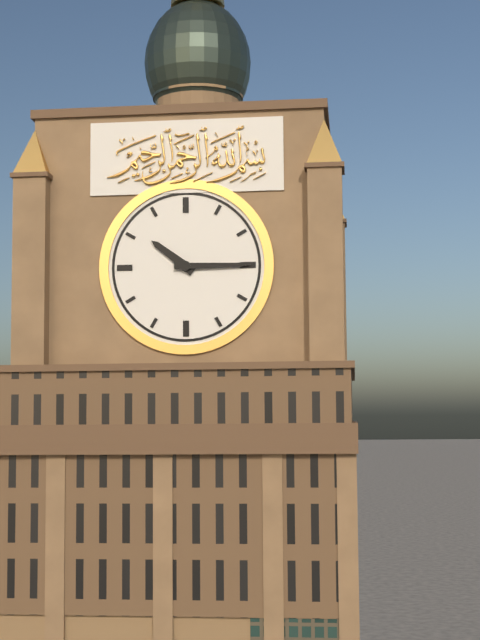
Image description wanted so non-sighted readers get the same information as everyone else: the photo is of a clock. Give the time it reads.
10:15
